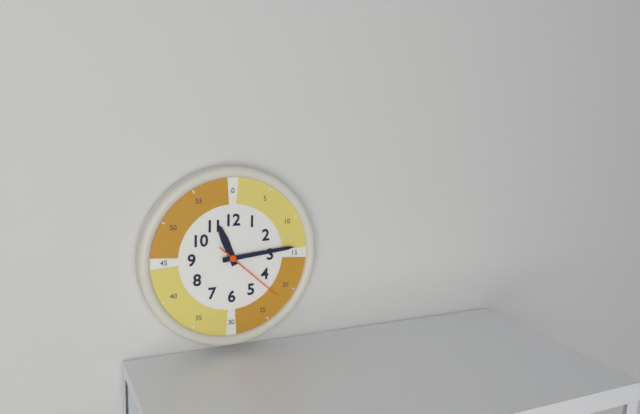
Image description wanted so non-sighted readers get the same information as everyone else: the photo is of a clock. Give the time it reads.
11:14:22
